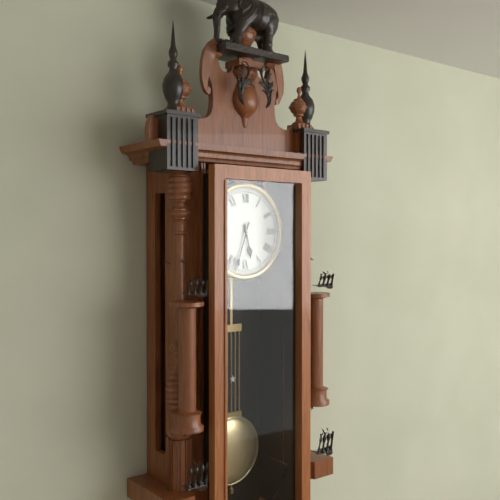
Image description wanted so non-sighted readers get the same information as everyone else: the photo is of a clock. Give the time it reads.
5:33
